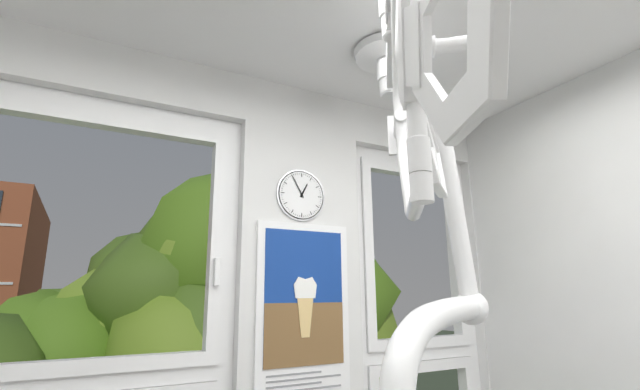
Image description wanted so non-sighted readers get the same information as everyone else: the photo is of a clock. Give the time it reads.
12:55
